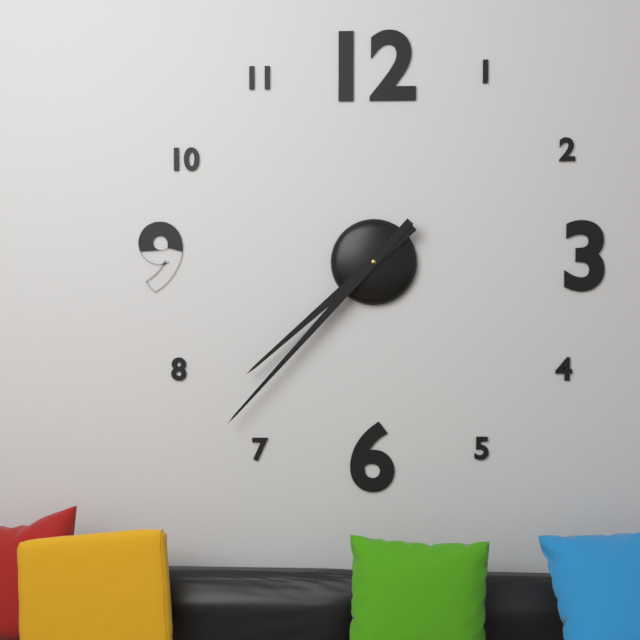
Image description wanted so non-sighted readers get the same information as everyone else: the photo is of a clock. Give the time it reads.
7:37
